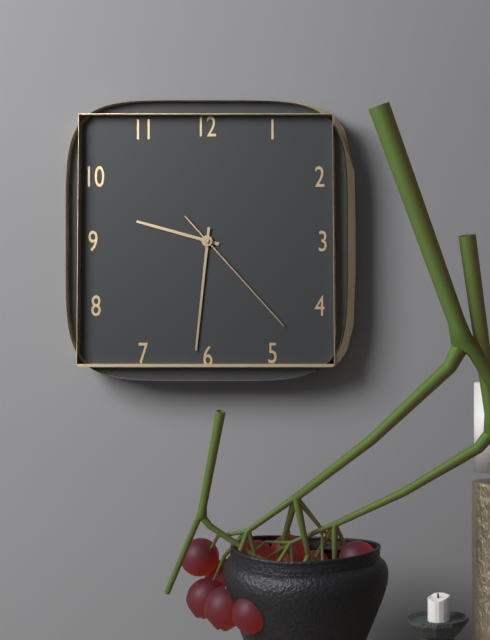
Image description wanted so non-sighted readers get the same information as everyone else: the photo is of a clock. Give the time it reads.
9:31:23
